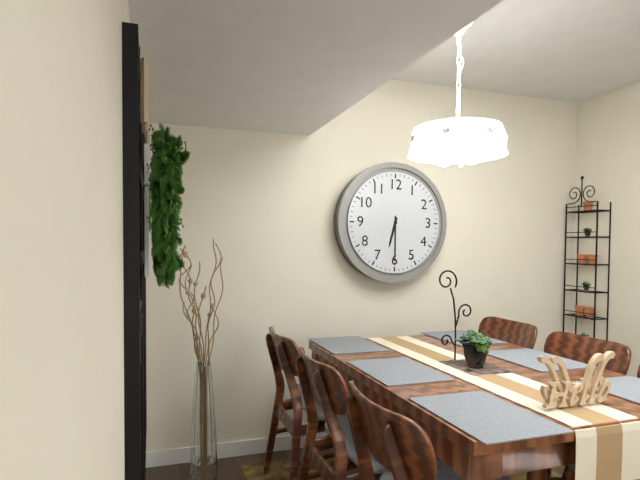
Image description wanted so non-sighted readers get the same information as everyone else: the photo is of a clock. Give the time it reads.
6:30
